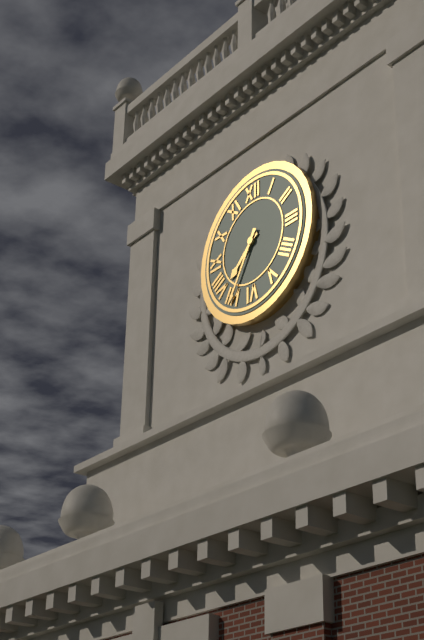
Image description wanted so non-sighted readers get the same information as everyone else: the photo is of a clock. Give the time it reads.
7:35
